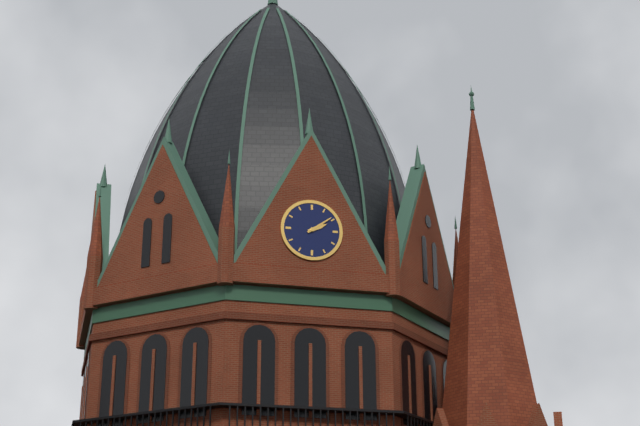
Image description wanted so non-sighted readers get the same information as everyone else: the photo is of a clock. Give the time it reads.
2:09
